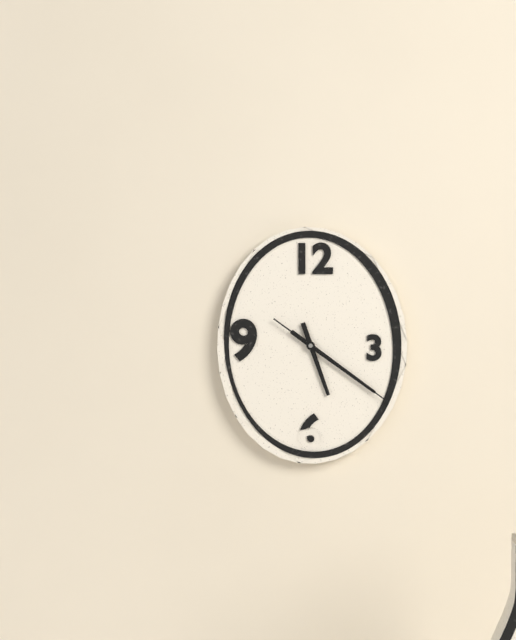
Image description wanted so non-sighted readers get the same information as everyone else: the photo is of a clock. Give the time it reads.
5:21:21
